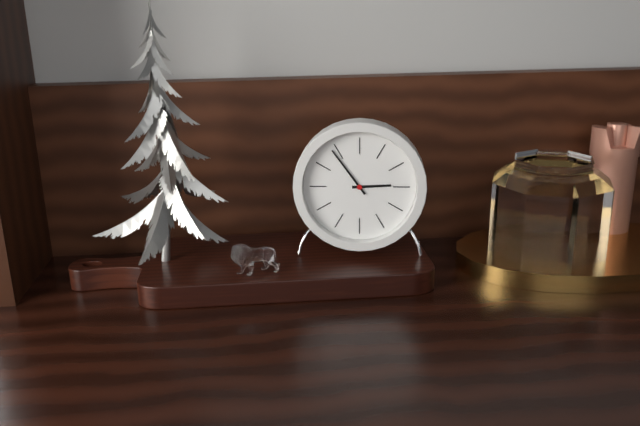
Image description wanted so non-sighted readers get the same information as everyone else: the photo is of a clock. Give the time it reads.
2:54
